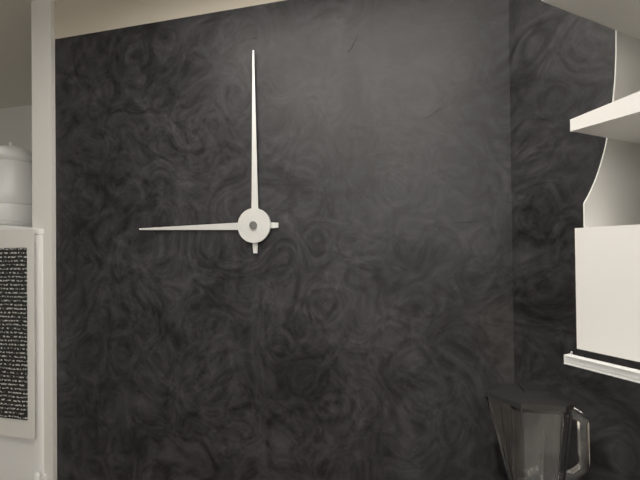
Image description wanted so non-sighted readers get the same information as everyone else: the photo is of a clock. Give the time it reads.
9:00
